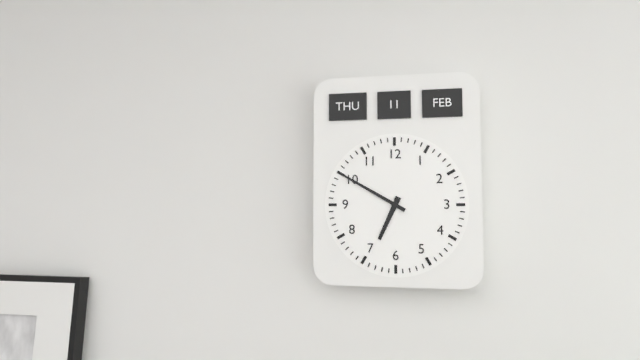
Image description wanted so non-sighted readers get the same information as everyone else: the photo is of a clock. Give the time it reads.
6:50
